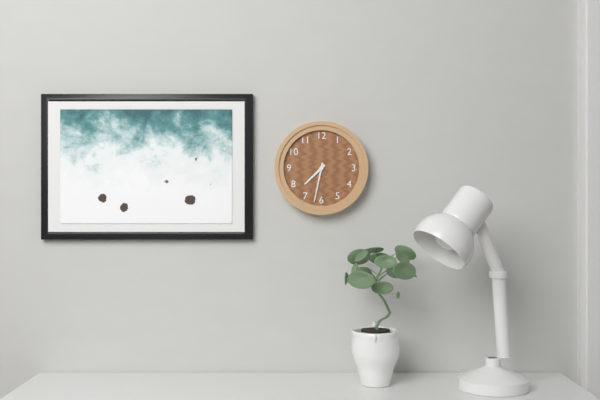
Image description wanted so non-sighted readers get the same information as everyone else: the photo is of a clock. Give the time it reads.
7:32
